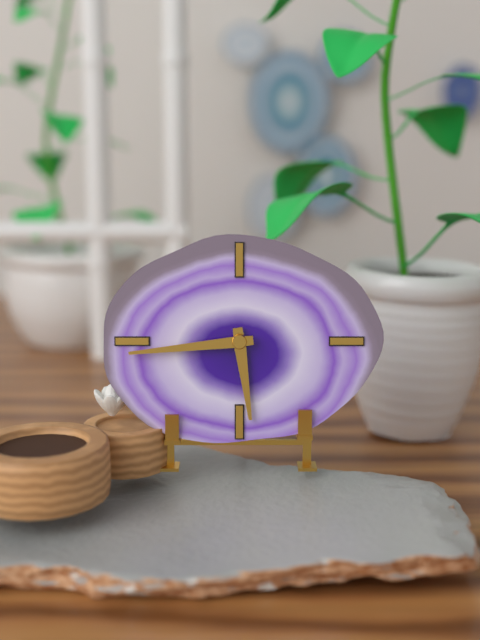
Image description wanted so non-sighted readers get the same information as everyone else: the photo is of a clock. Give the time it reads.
5:44
